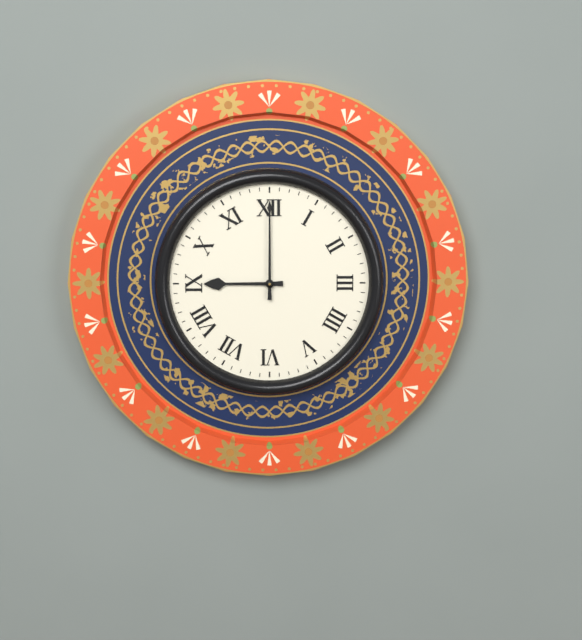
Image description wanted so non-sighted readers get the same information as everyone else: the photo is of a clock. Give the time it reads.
9:00
